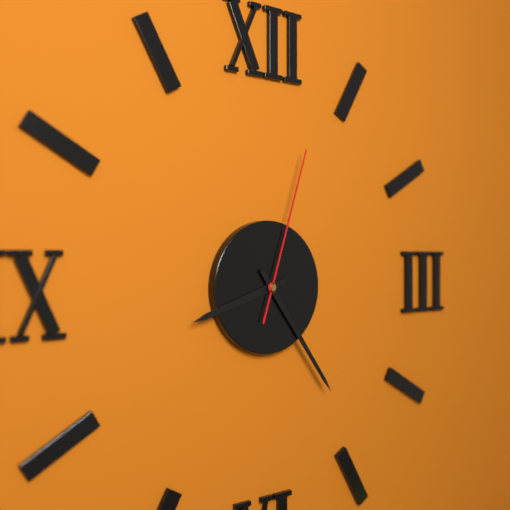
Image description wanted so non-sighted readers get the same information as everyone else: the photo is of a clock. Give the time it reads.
8:24:03
